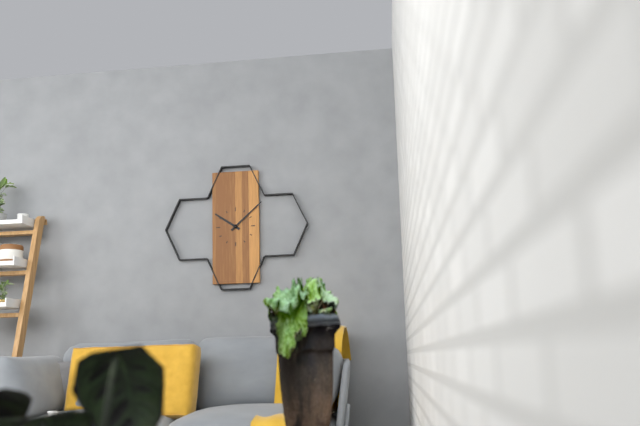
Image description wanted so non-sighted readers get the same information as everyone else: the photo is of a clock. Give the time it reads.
10:08
